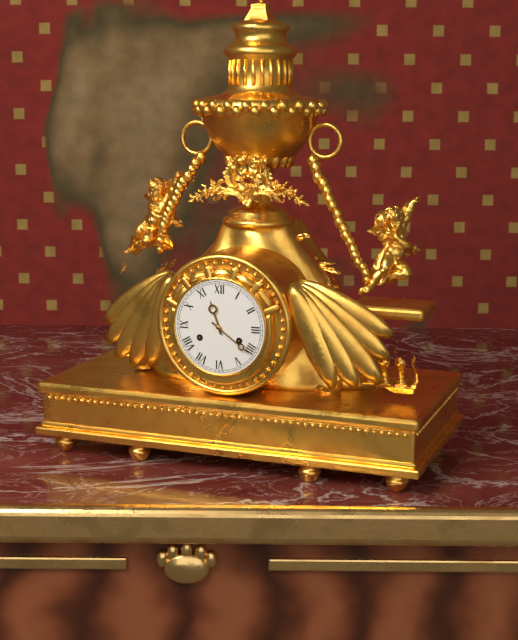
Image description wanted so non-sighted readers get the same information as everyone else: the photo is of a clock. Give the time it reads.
11:21
